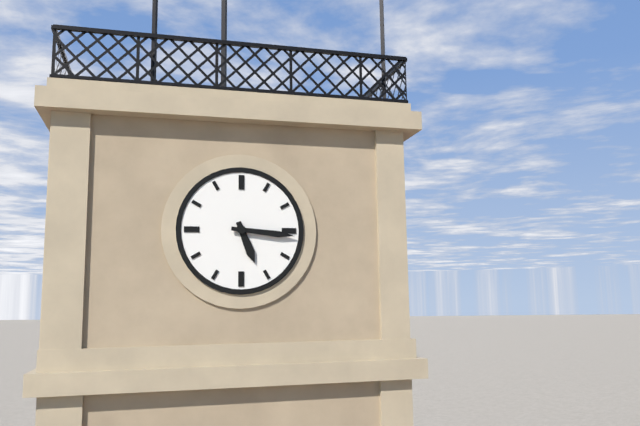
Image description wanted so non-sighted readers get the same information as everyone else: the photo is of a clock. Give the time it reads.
5:16
